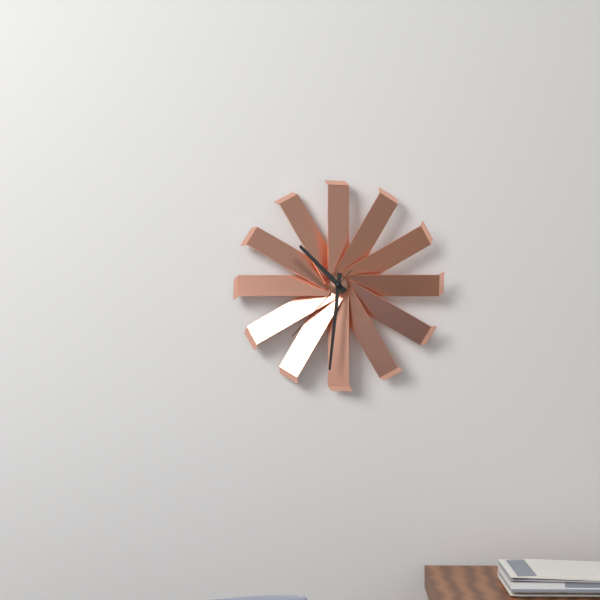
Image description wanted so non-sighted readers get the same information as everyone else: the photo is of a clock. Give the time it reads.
10:31:37
